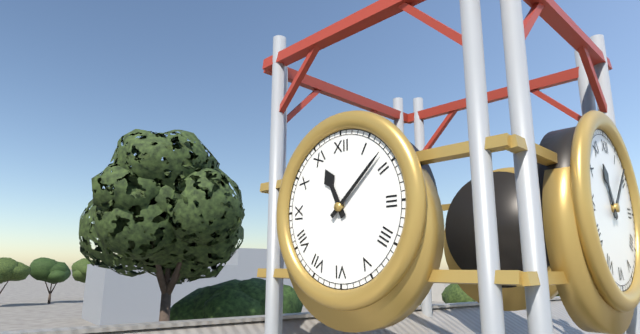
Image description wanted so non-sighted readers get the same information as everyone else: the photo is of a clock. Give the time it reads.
11:08
